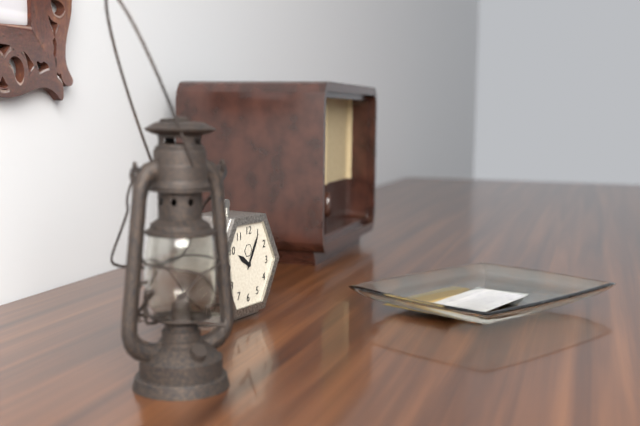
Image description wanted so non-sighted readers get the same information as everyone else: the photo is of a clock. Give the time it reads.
10:05
